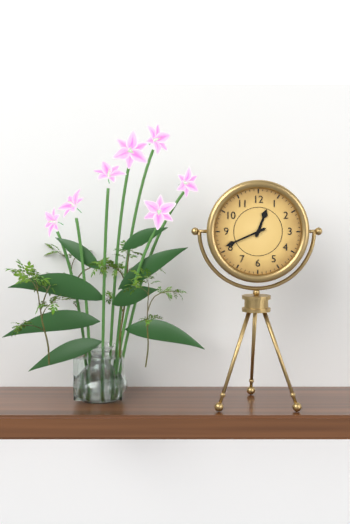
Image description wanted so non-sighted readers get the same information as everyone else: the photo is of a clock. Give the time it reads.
12:41
